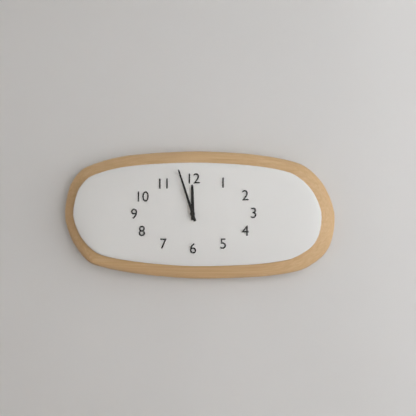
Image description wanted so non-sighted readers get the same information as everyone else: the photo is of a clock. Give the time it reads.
11:57
